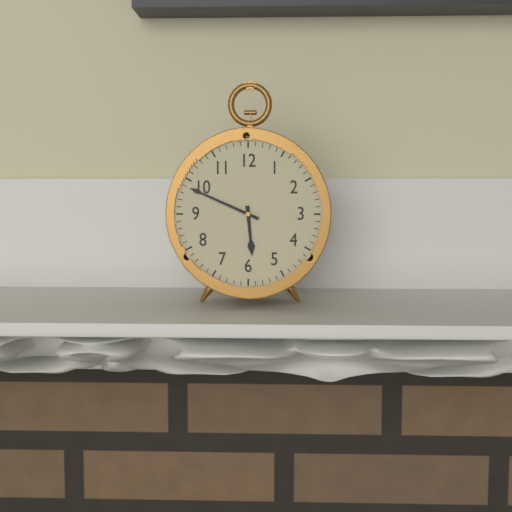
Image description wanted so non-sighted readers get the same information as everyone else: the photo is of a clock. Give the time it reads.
5:49
